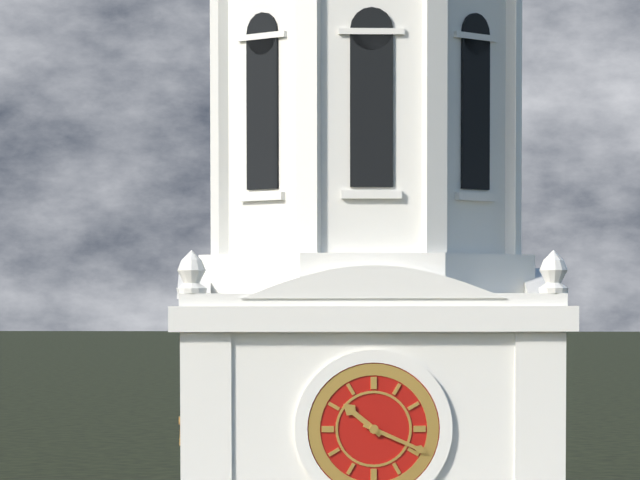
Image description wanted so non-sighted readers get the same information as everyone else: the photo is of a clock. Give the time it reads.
10:19
